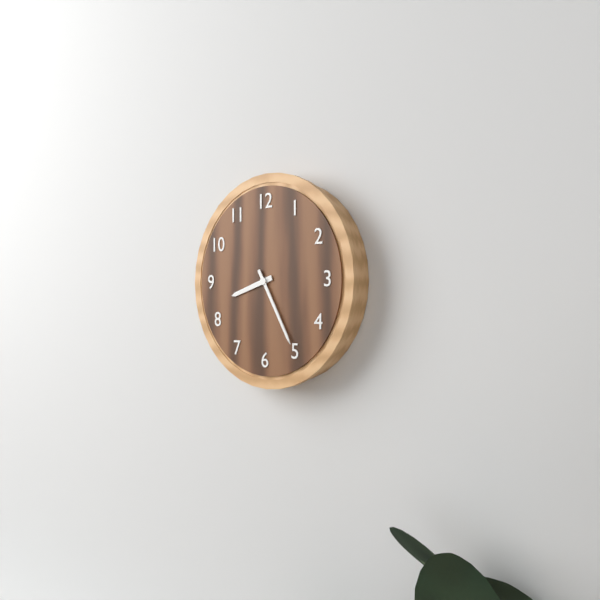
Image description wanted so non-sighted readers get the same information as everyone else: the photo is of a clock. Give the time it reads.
8:25
